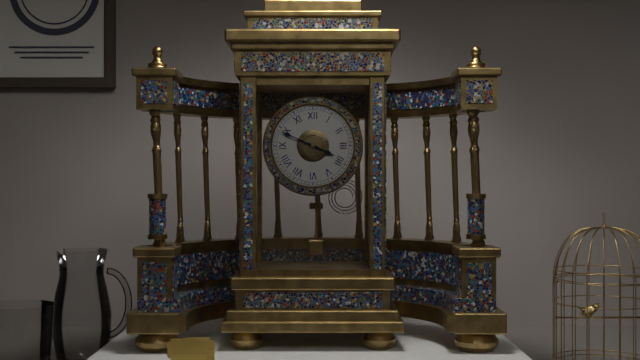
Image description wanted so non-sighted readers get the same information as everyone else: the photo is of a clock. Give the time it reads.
3:49
